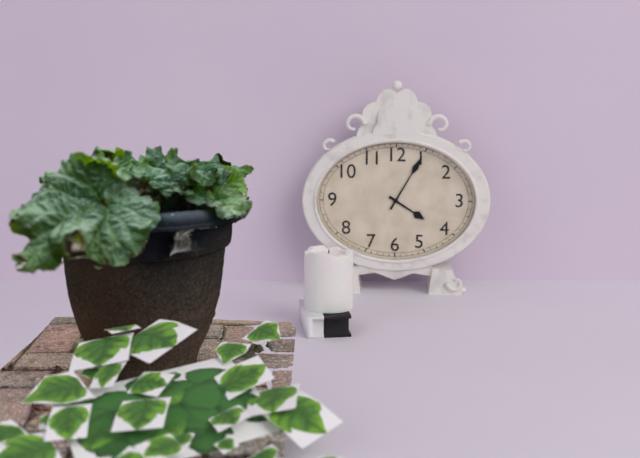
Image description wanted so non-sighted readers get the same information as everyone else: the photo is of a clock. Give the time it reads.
4:05
